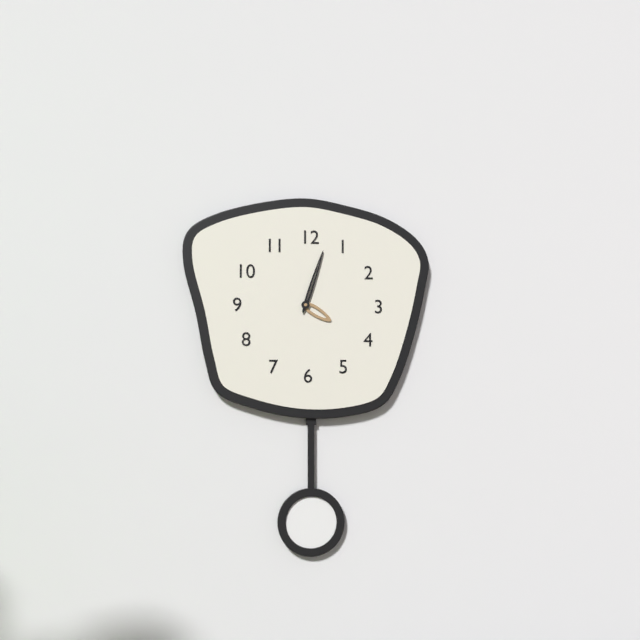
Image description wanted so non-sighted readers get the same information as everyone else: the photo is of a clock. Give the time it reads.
4:03
